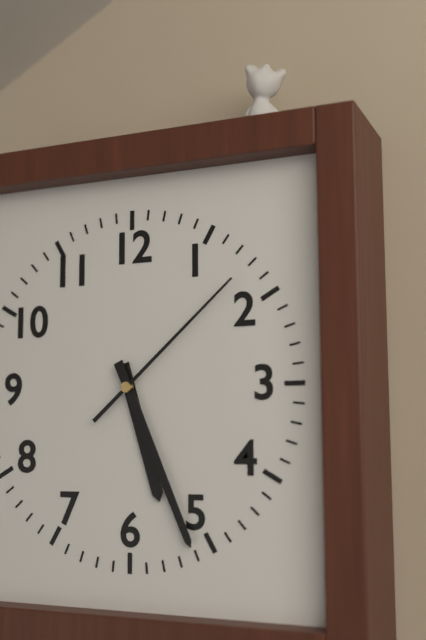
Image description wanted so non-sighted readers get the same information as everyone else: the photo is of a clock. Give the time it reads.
5:26:08
